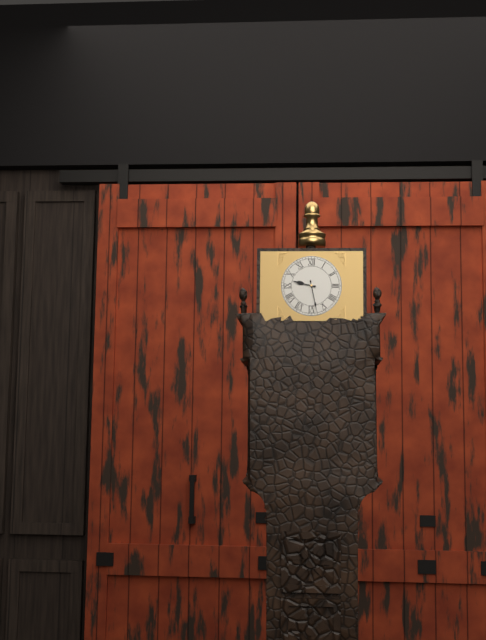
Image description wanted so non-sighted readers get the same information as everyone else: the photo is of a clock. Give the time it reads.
9:28
